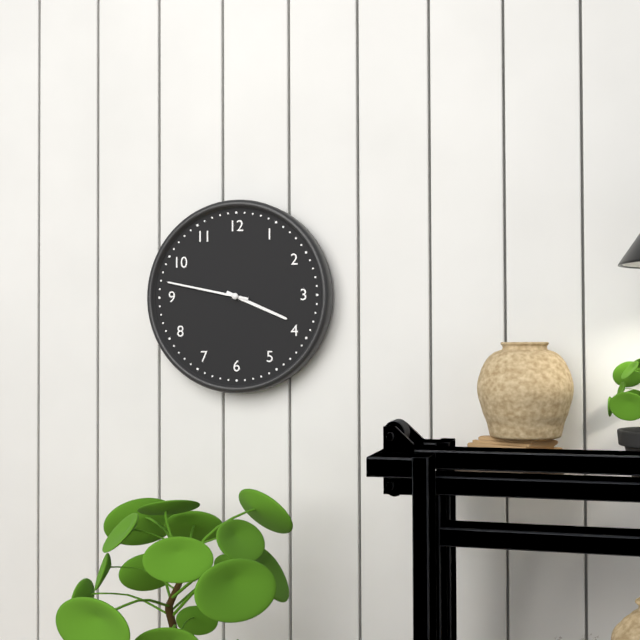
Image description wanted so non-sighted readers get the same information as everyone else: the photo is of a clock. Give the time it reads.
3:47
